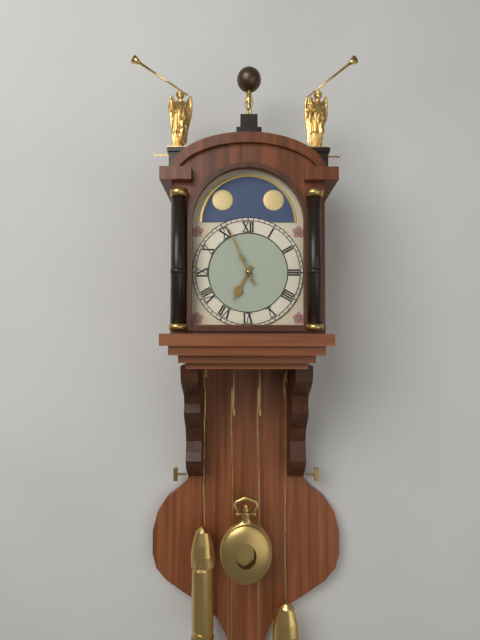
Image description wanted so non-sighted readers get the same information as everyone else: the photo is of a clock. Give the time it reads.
6:56
